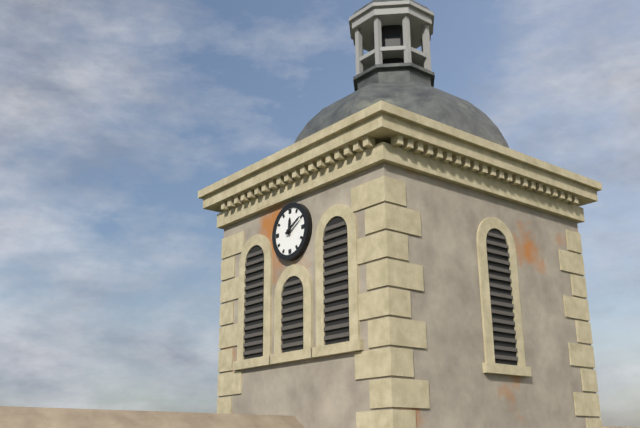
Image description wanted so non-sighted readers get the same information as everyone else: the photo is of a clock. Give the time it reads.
12:10
